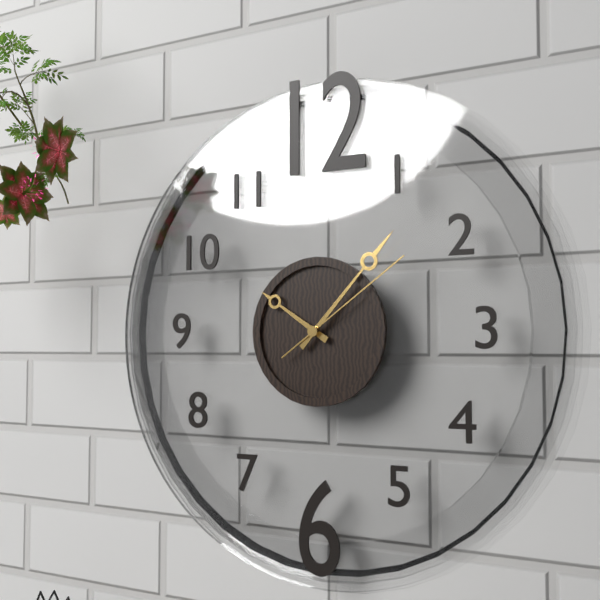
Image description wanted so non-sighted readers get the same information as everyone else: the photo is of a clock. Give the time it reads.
10:07:09
